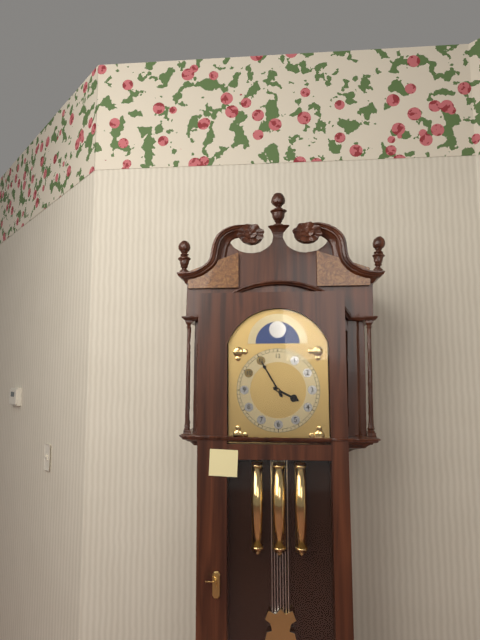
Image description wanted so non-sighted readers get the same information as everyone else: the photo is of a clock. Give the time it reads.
3:55
